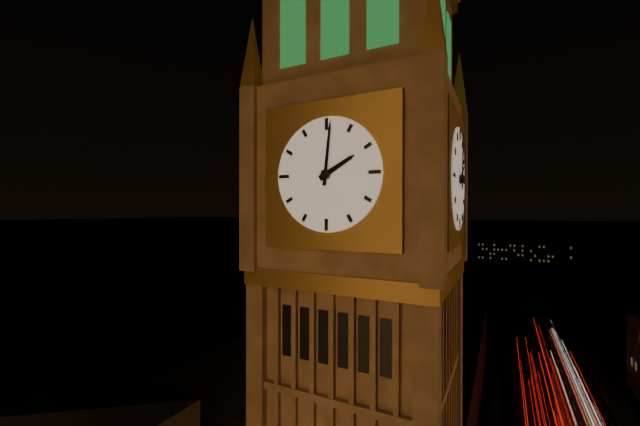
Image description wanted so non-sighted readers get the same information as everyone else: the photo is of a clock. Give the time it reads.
2:01
